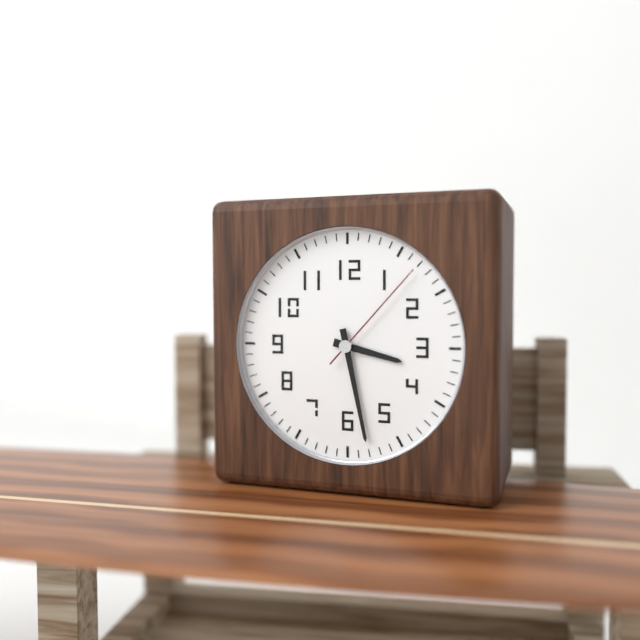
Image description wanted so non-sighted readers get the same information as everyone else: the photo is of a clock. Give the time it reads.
3:28:07
